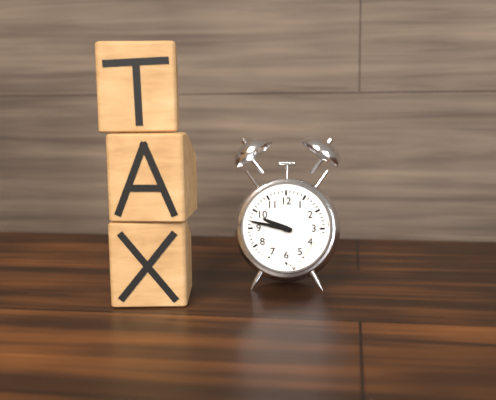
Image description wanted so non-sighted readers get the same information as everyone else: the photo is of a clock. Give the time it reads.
9:47
